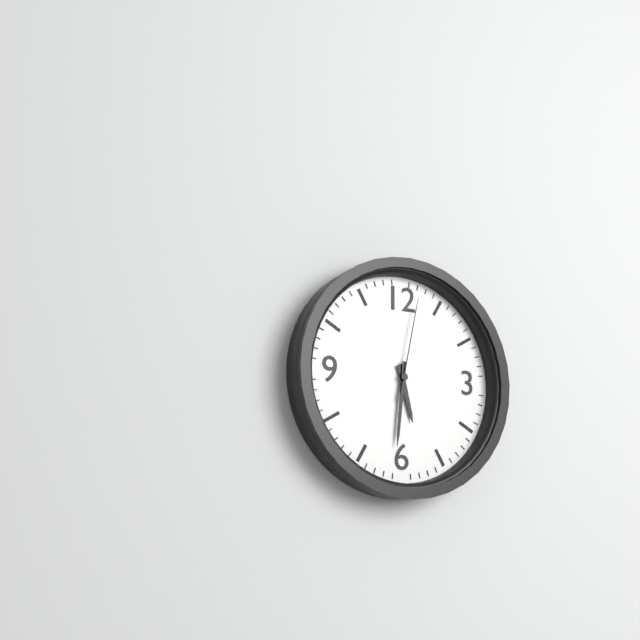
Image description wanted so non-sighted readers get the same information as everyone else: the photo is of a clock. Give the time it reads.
5:31:02
